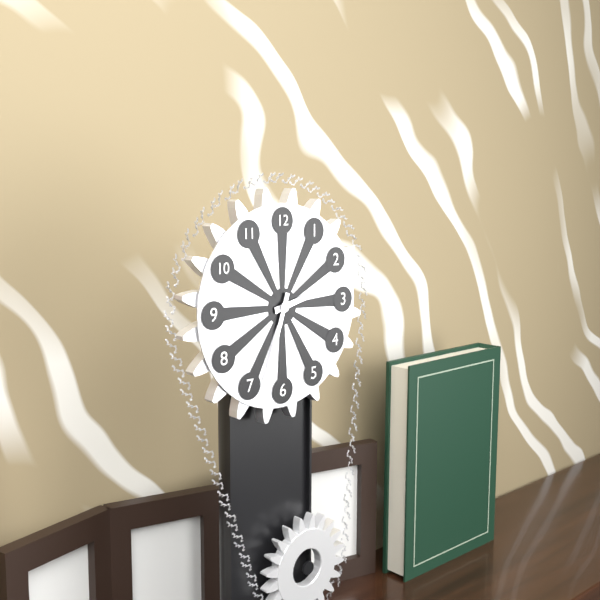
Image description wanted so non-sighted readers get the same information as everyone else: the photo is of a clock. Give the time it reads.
2:33
